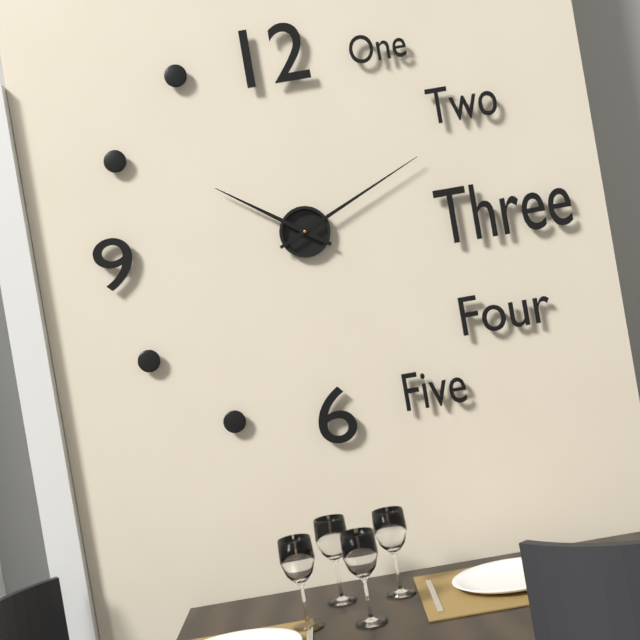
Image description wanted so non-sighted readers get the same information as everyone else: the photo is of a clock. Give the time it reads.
10:11
